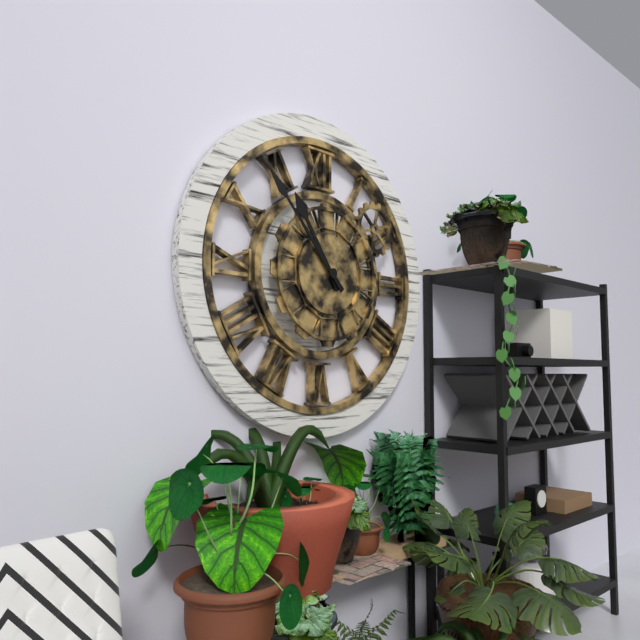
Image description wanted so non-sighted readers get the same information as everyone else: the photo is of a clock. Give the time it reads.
10:53
